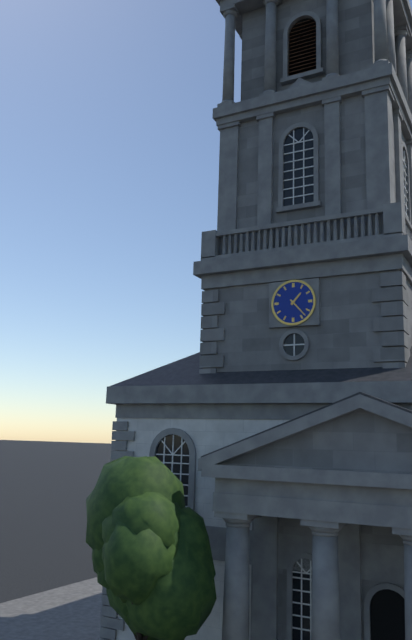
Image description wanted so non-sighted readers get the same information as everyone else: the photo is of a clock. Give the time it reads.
1:23
